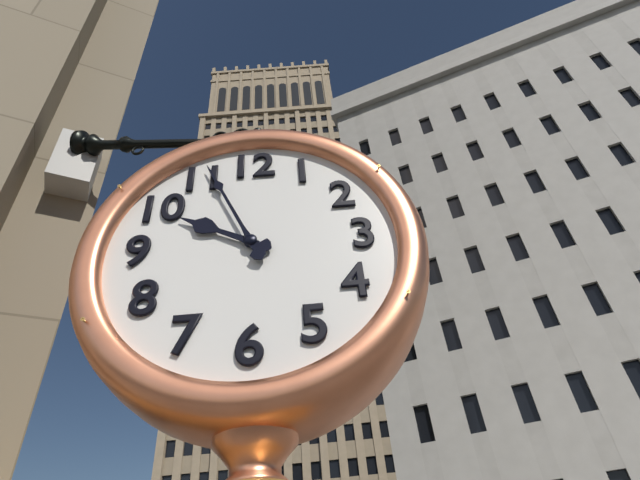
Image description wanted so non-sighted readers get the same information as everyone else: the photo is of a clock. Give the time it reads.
9:56
